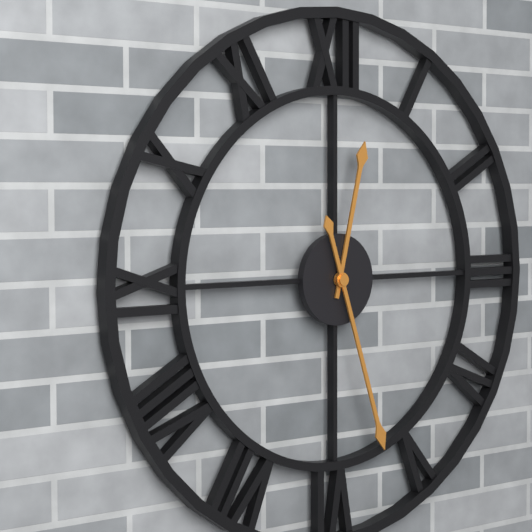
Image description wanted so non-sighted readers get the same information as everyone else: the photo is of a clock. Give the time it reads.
12:27
